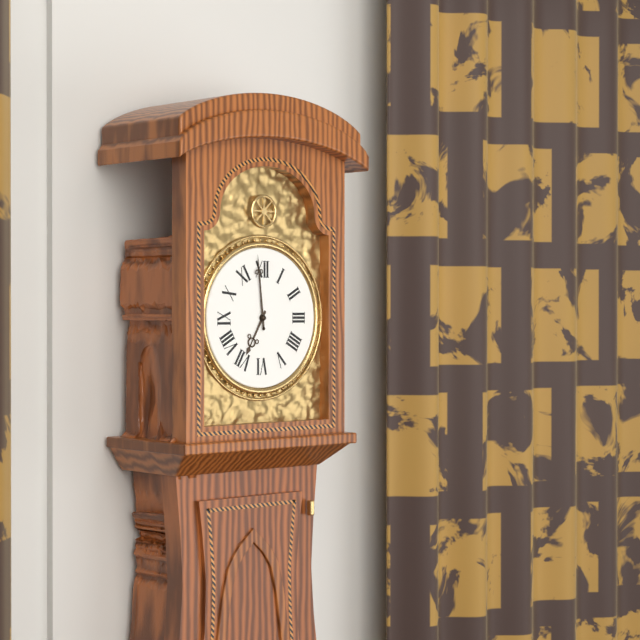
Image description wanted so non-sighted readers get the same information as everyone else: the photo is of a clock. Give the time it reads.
6:59
